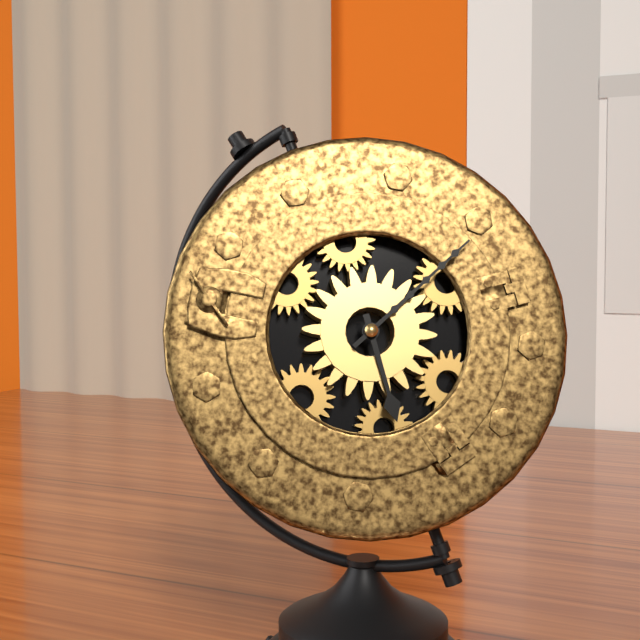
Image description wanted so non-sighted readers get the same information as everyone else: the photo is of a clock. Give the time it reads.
5:06
